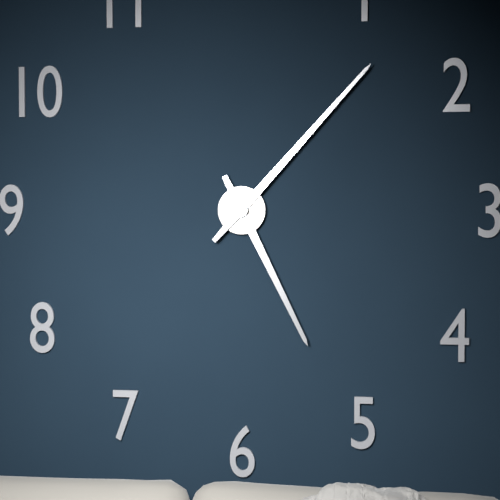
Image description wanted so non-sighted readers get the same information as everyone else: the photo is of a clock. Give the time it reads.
5:07
